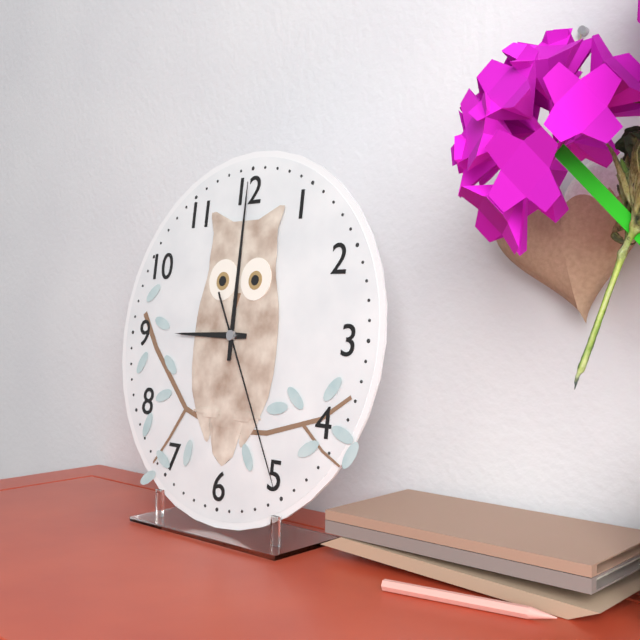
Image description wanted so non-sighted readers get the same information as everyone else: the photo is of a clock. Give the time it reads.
9:00:25
